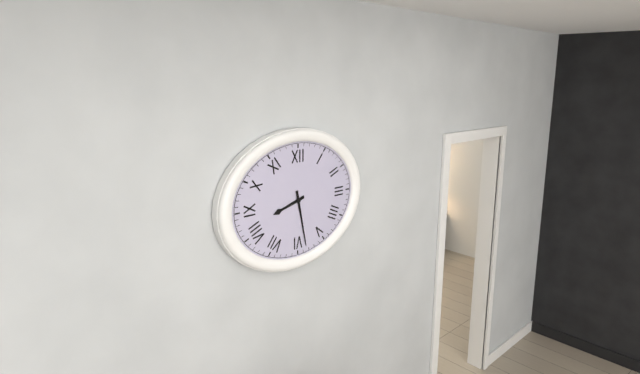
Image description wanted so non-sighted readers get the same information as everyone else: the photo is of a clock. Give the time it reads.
8:28
